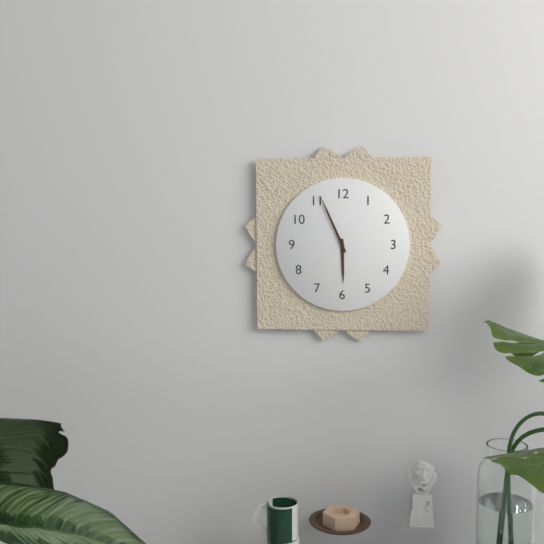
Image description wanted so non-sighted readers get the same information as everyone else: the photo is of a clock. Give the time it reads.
5:56
